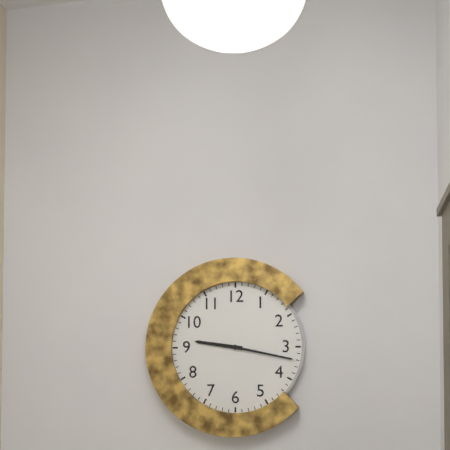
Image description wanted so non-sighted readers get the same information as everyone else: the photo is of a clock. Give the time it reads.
9:17
